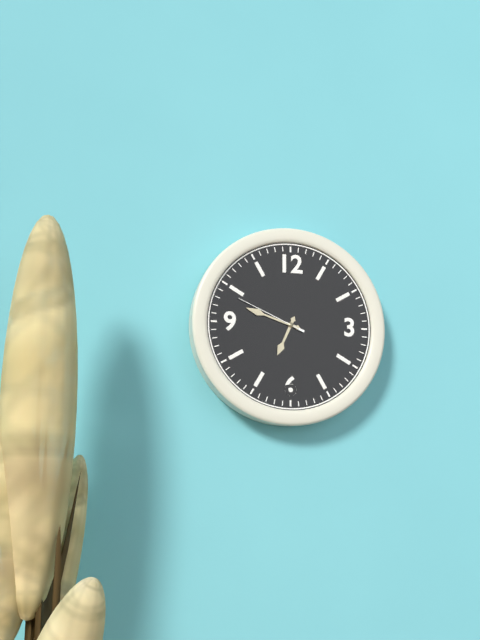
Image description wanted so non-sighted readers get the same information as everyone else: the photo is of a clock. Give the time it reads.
6:48:49
